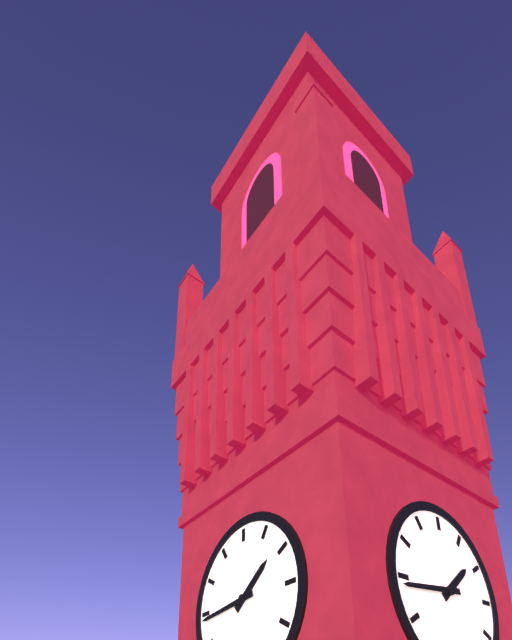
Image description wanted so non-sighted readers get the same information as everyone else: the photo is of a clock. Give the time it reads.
1:44
